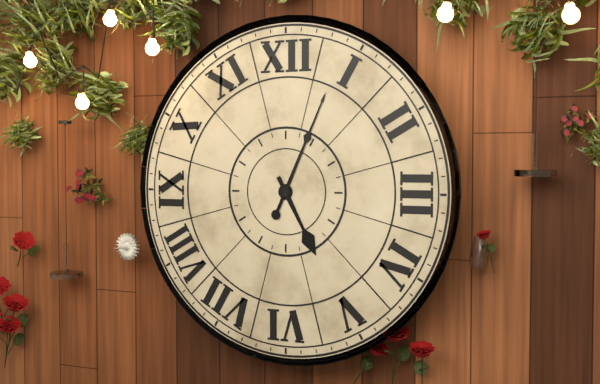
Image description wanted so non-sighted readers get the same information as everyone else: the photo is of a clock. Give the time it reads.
5:04
